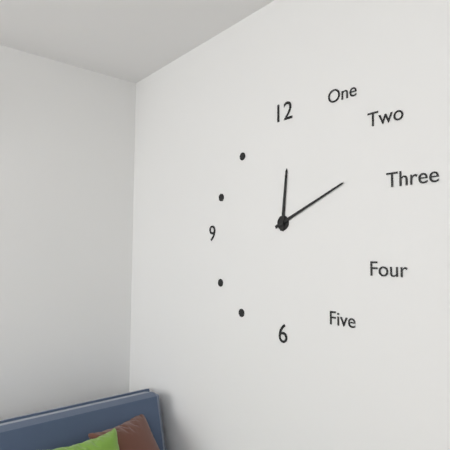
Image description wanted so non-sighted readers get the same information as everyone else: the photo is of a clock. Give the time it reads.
12:11
